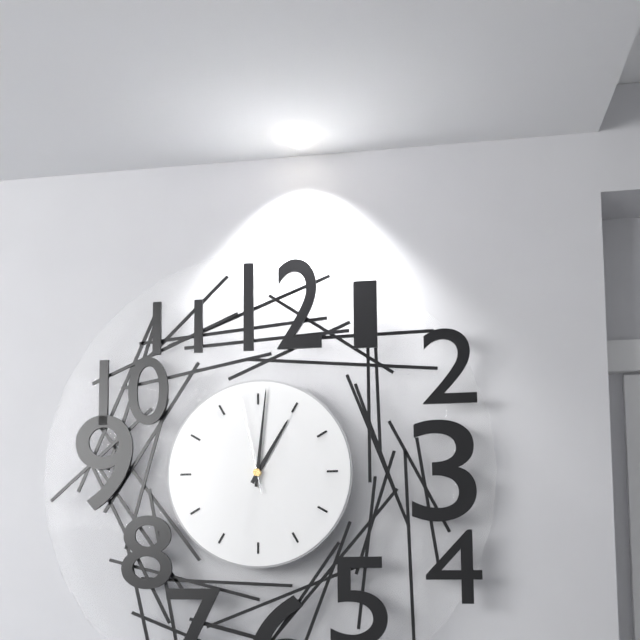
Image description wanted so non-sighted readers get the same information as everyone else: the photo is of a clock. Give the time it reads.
1:01:58
